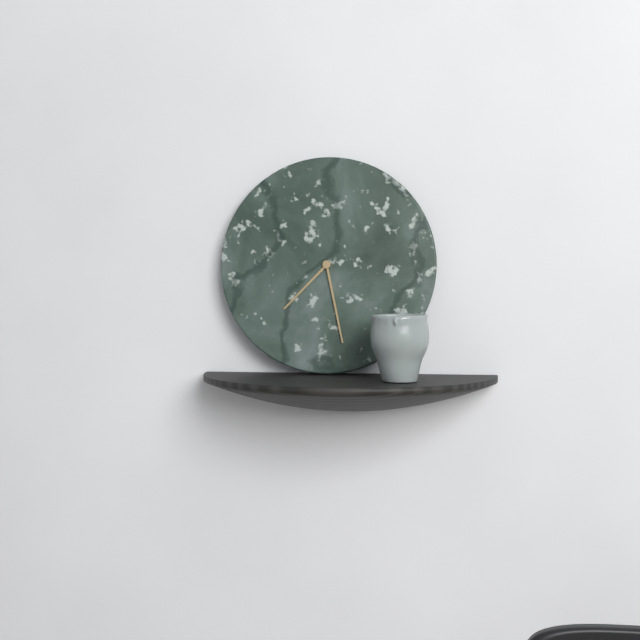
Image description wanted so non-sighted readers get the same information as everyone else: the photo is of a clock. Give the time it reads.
7:28
